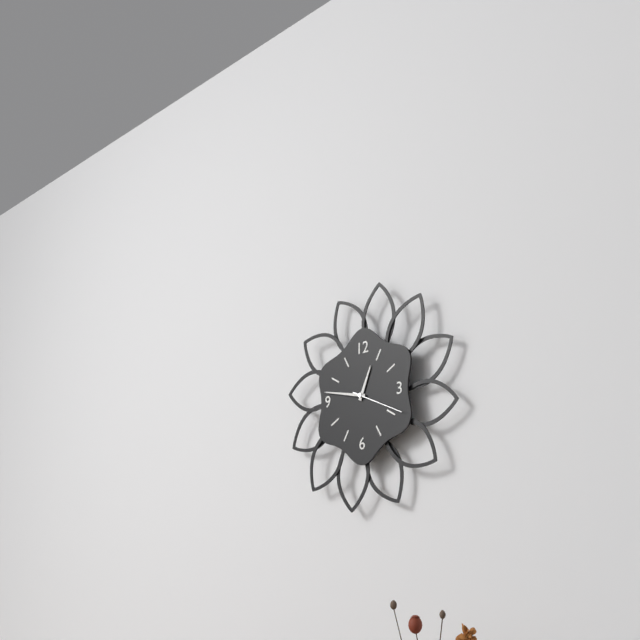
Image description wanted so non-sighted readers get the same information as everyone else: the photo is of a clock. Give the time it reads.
12:47
